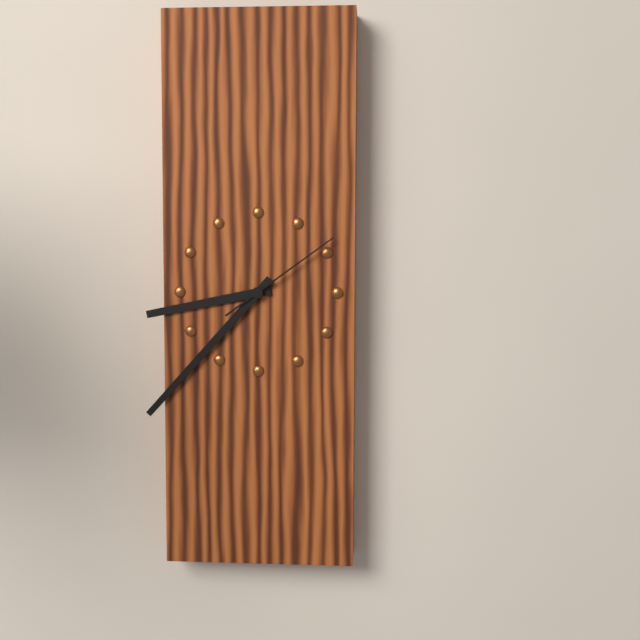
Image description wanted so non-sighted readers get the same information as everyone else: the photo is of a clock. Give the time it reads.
8:37:09
